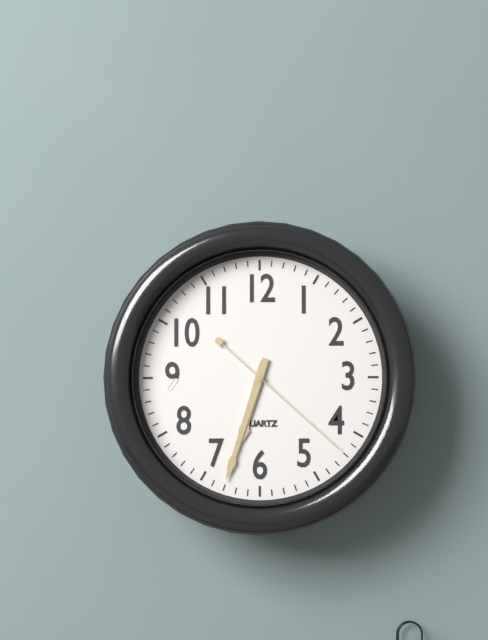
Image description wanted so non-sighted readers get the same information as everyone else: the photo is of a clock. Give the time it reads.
6:33:22
